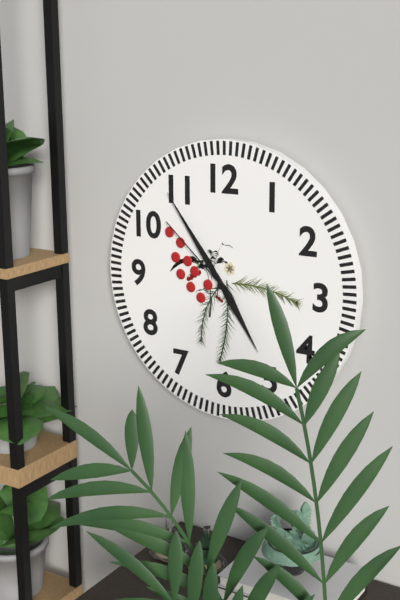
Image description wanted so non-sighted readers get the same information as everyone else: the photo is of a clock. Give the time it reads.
4:54:52
